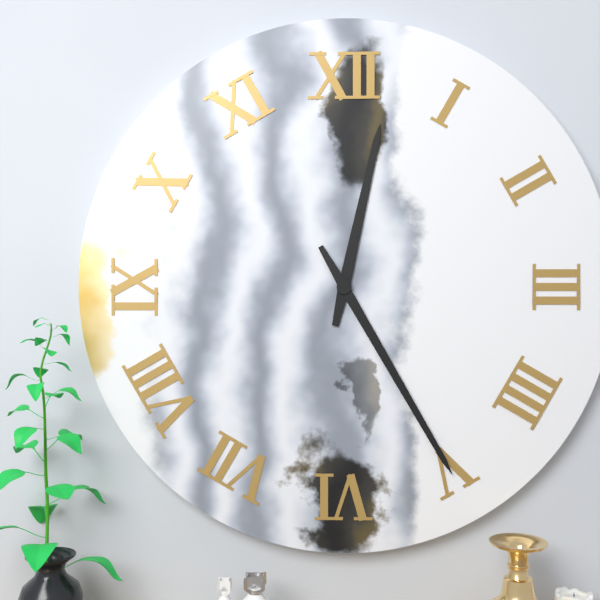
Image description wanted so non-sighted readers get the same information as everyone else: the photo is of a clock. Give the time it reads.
12:25
